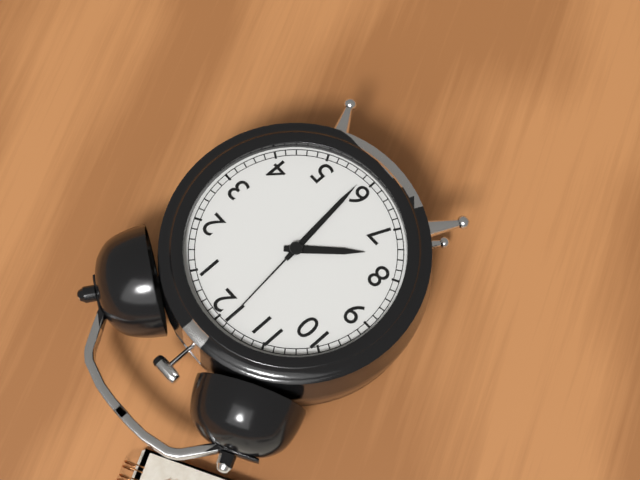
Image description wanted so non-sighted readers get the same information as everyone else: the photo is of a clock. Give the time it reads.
7:29:59
